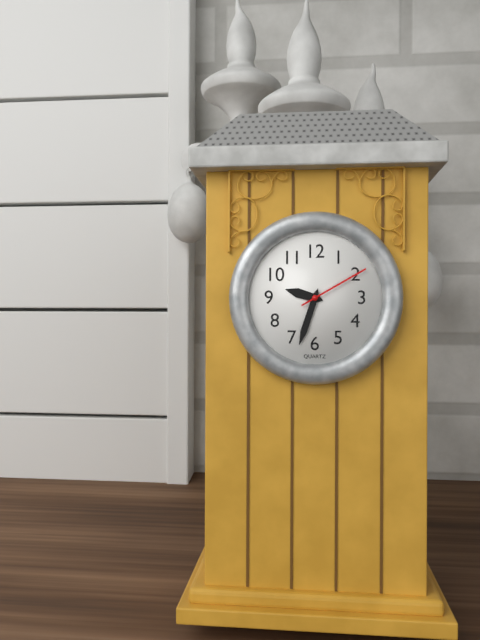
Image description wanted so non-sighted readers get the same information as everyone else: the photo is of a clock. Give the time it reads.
9:33:10
